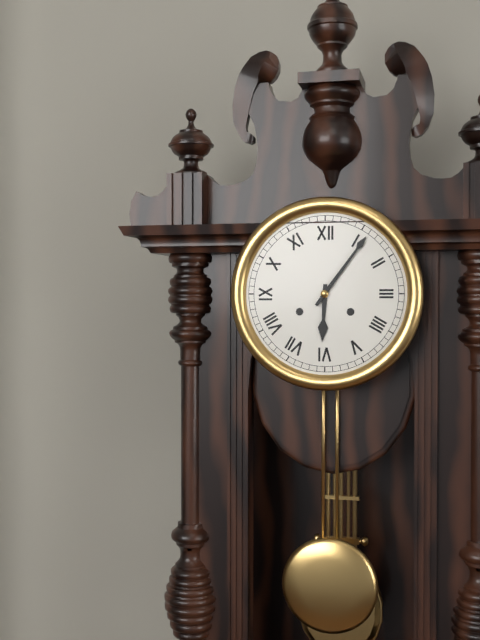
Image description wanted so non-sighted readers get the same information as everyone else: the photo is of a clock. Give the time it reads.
6:06
